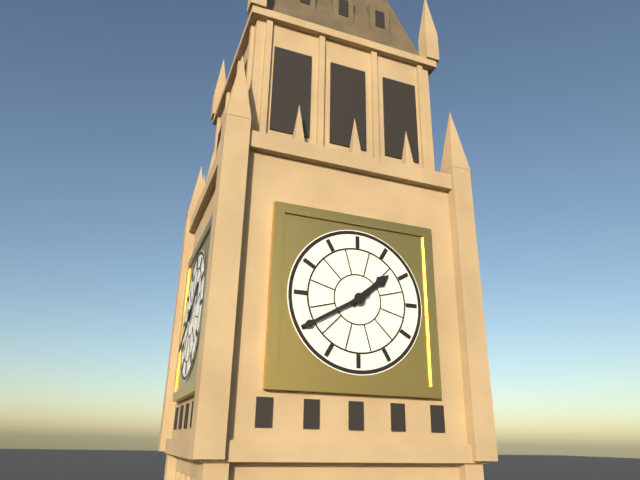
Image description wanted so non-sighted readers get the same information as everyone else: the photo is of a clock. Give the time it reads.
1:40
